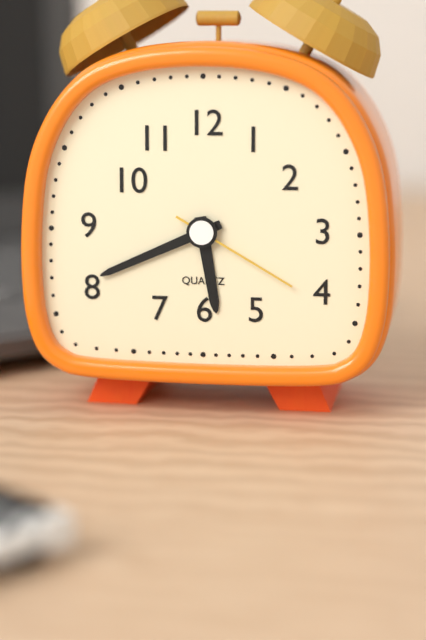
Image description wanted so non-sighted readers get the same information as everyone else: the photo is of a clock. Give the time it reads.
5:41:20
